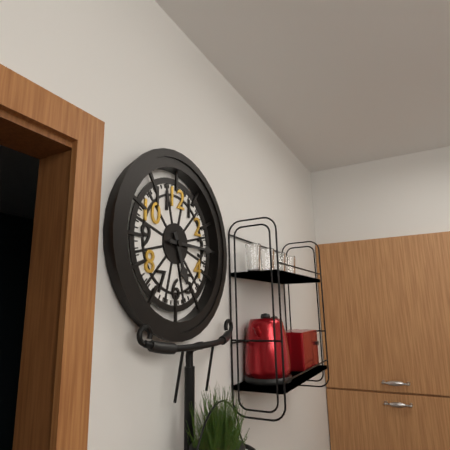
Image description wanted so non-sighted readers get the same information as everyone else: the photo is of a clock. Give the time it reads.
5:15
